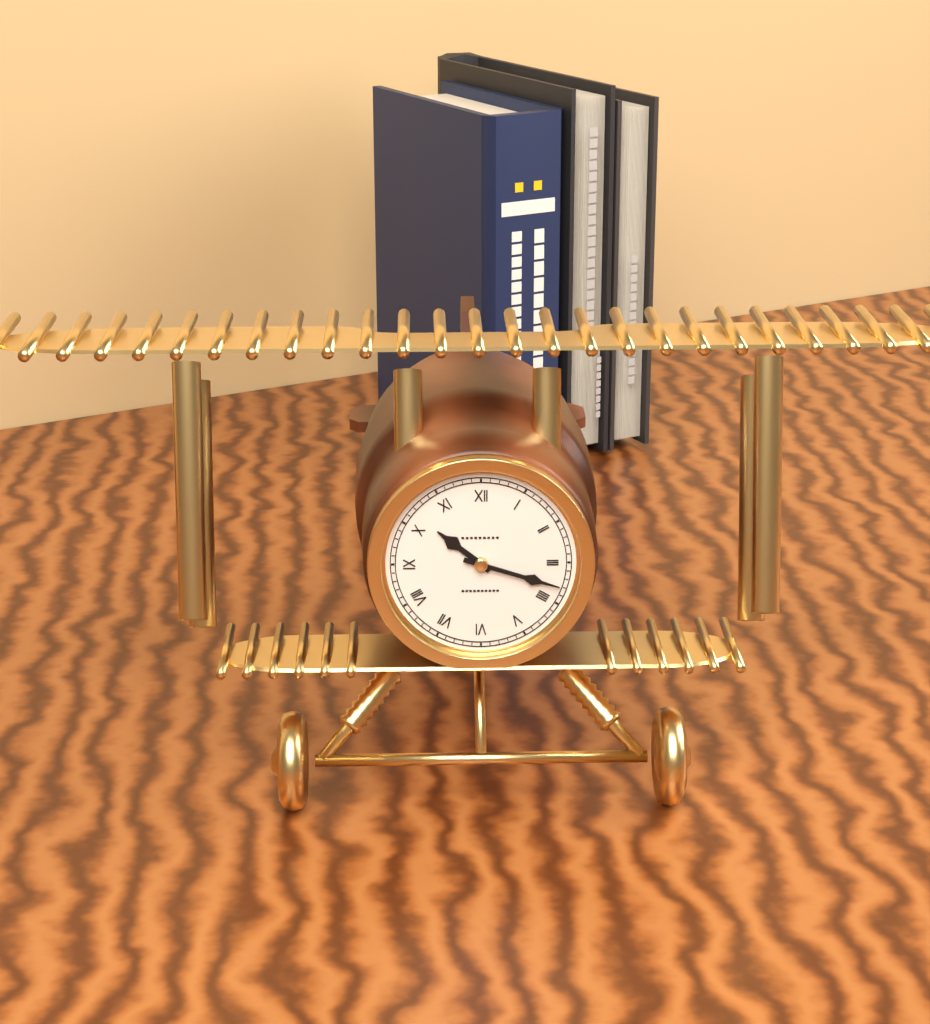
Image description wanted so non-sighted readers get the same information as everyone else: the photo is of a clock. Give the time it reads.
10:18
